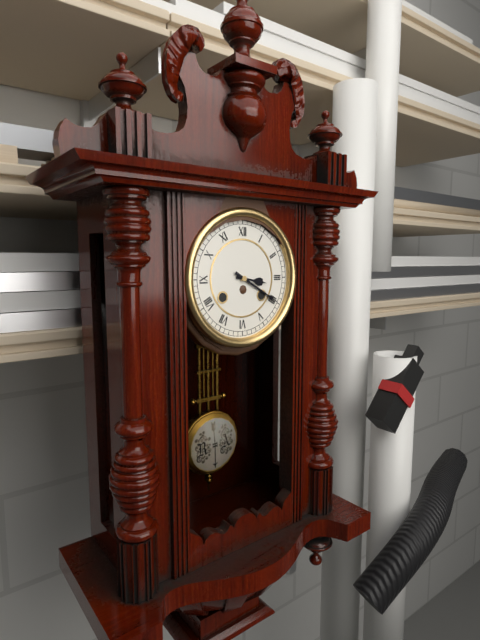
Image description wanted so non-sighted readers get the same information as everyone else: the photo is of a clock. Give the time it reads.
3:20
